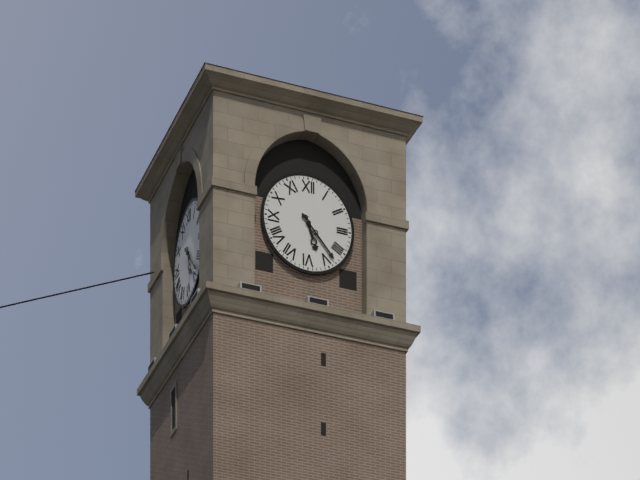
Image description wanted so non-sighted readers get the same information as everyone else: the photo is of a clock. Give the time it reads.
5:23
